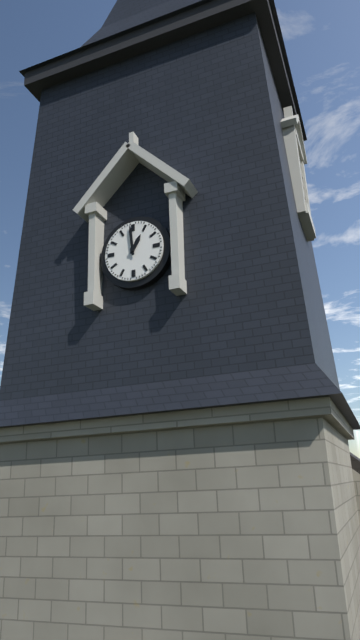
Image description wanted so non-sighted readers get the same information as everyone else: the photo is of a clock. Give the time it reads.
12:59
